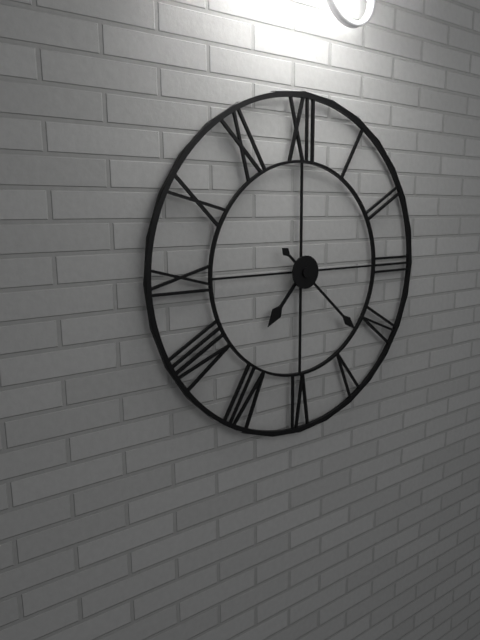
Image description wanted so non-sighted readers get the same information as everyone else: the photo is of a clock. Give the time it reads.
7:22
